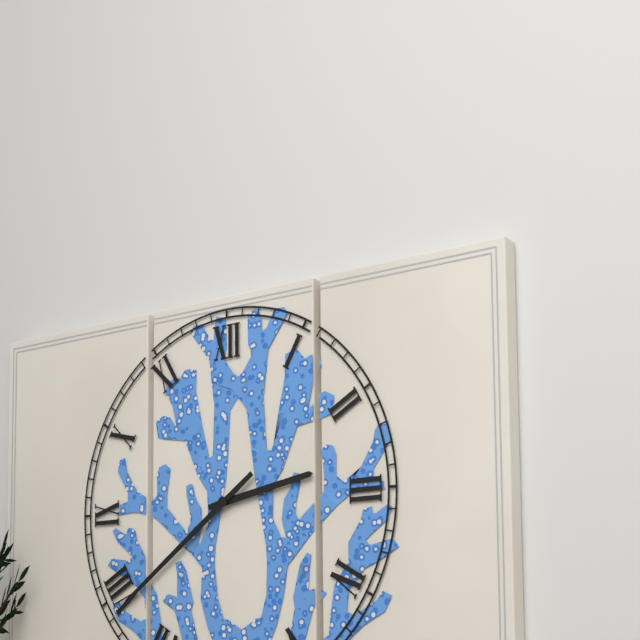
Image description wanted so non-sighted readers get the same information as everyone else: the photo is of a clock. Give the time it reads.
2:39
